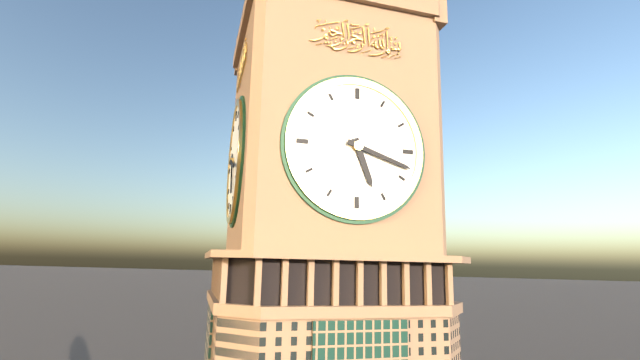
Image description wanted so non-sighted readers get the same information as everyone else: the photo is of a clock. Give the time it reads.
5:18
